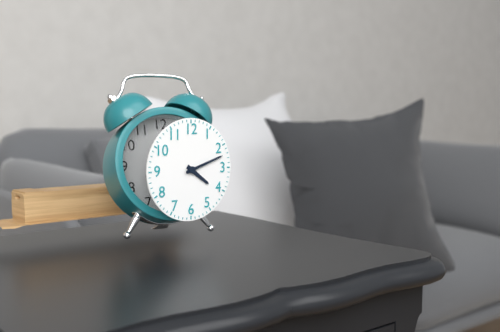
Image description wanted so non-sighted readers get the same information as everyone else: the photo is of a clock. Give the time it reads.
4:12
